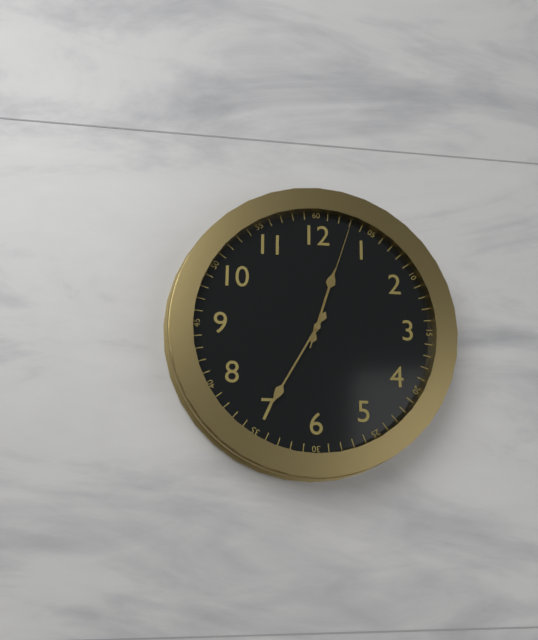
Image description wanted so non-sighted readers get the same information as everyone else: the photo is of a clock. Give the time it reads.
12:35:03
